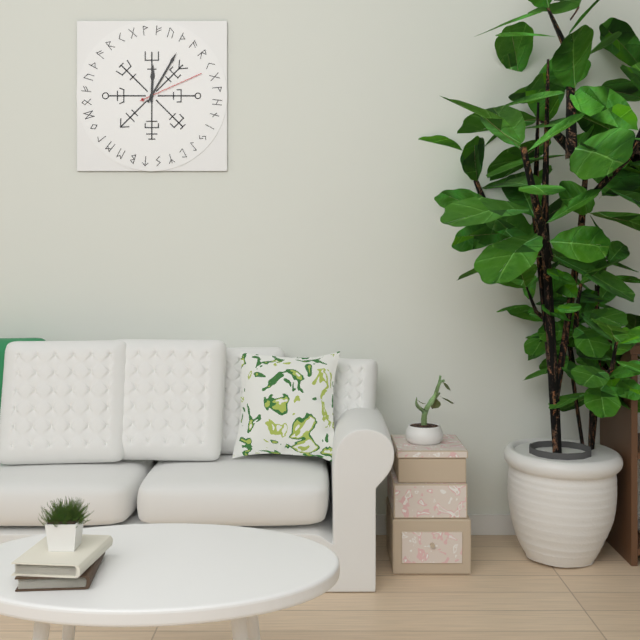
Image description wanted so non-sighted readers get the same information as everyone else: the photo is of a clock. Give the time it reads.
12:05:11
